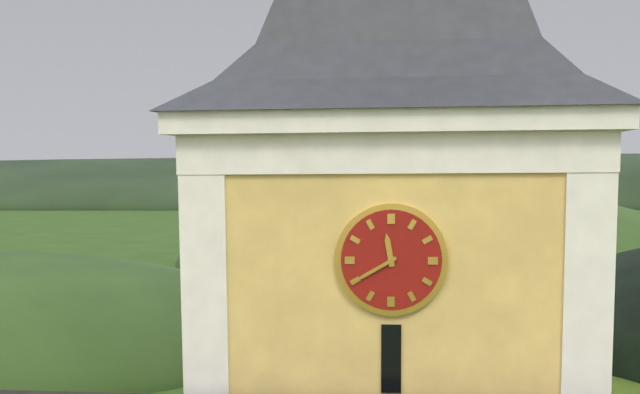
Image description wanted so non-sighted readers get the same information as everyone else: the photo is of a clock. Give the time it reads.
11:40
